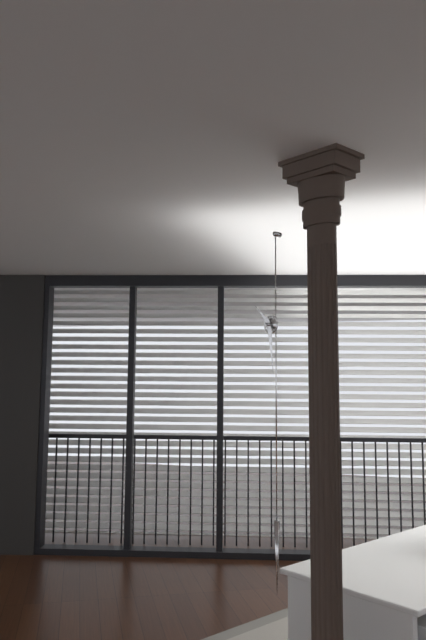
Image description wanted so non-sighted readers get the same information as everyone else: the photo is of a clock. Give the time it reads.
10:29
